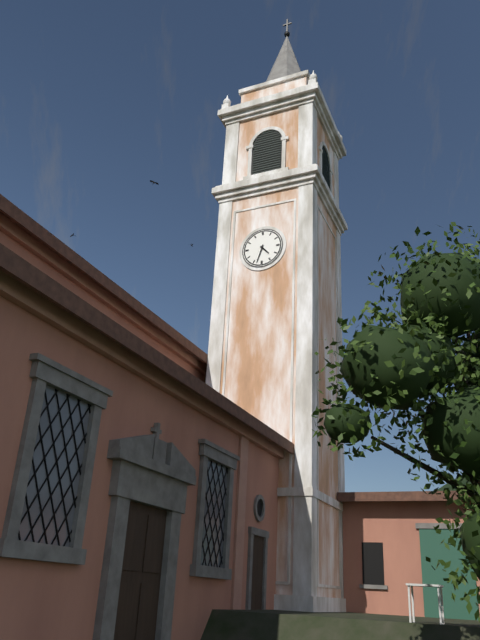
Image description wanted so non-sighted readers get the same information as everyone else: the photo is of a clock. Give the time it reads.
4:33
